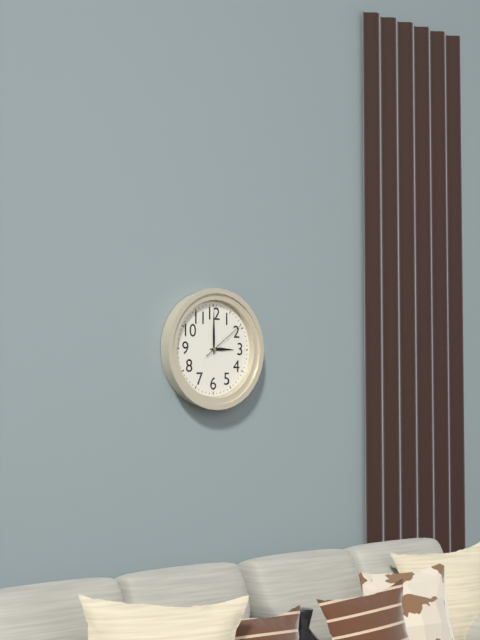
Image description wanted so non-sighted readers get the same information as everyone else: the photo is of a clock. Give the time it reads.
3:00
